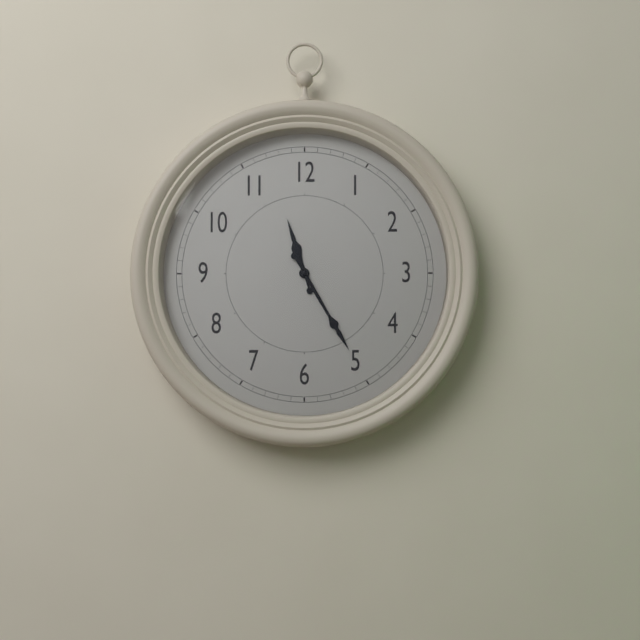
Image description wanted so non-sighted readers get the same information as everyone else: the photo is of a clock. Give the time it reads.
11:25
